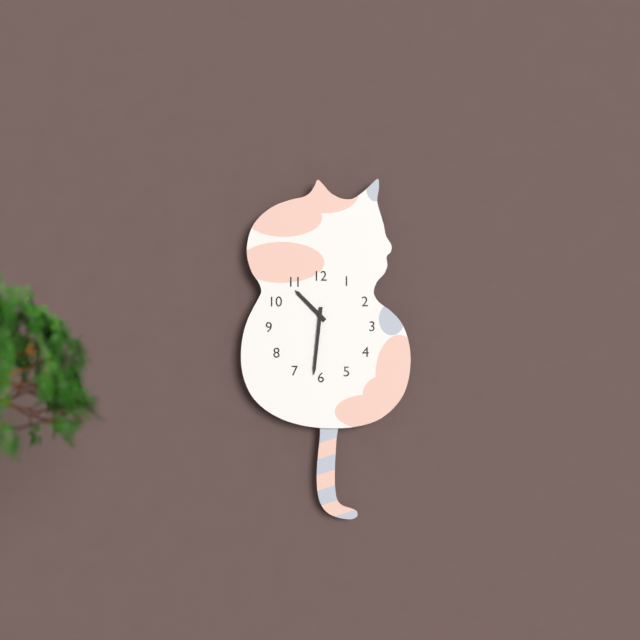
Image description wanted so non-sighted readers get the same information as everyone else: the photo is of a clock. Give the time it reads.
10:31
